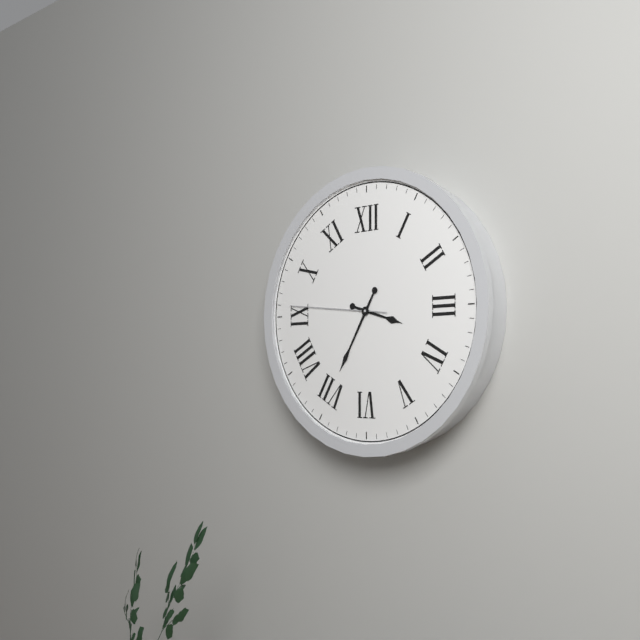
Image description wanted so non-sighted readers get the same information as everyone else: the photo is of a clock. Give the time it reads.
3:35:46
